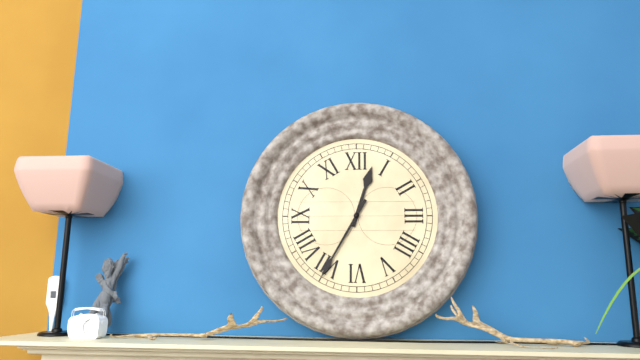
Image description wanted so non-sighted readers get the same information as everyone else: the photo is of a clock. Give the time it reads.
12:35
